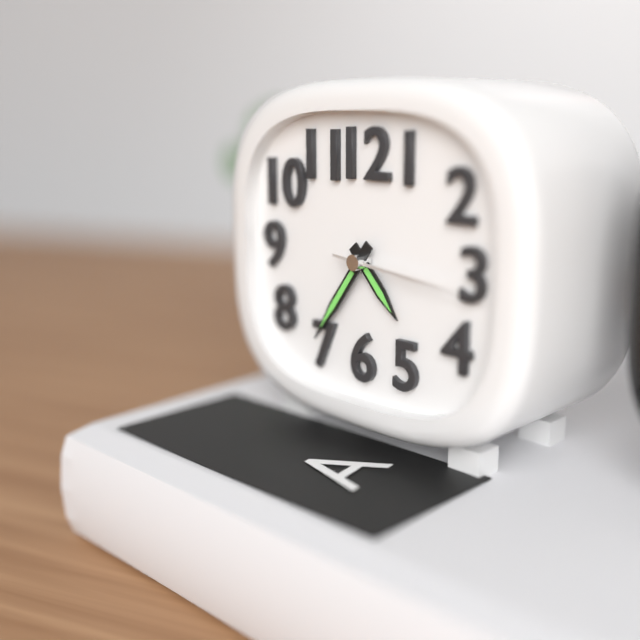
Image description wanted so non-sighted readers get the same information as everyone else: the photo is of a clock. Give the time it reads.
4:36:16
